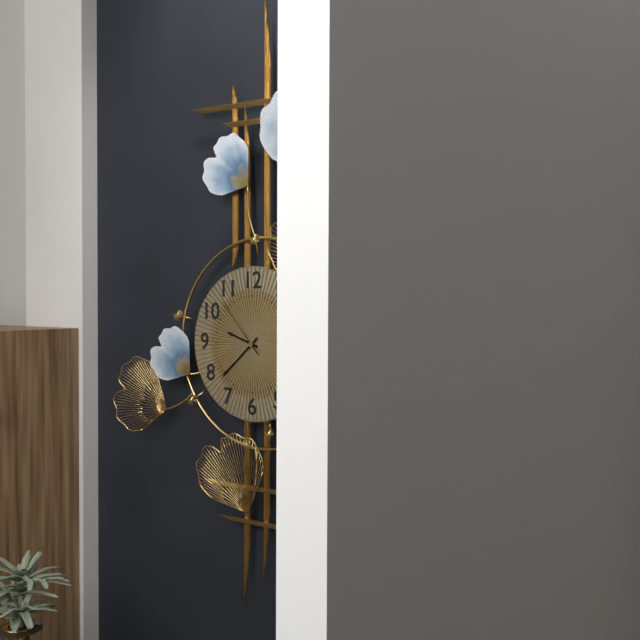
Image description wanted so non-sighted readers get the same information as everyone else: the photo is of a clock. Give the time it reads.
9:38:53
